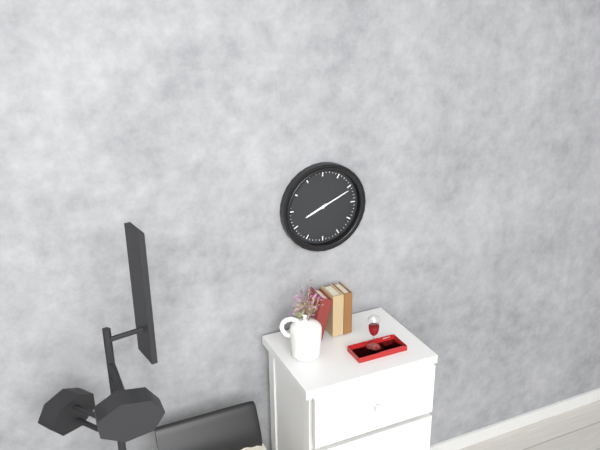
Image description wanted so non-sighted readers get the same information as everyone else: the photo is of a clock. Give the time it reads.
8:11
